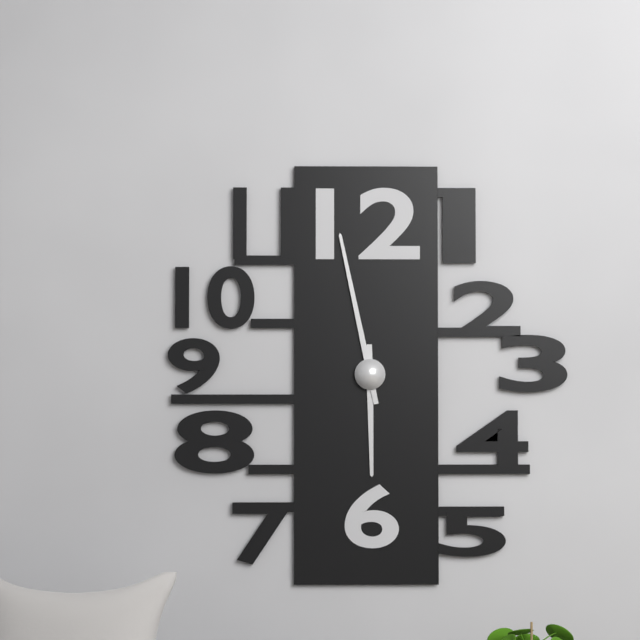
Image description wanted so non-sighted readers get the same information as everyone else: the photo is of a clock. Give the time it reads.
5:58
